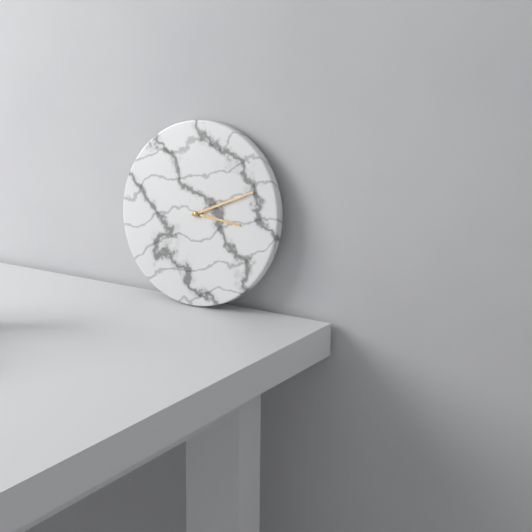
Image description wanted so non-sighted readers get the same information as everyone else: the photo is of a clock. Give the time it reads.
3:11
